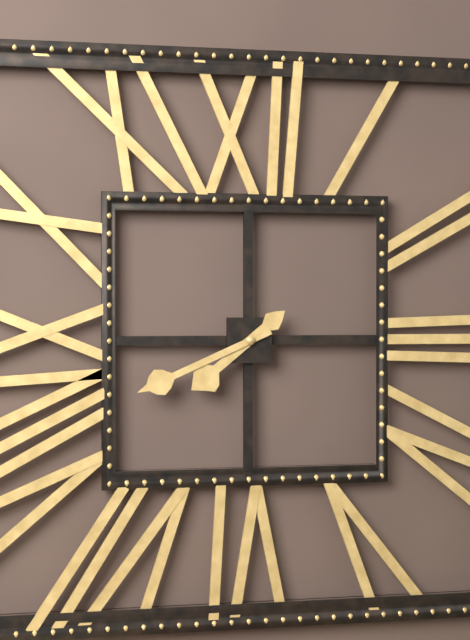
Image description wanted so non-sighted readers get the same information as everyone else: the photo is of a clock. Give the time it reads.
7:41
